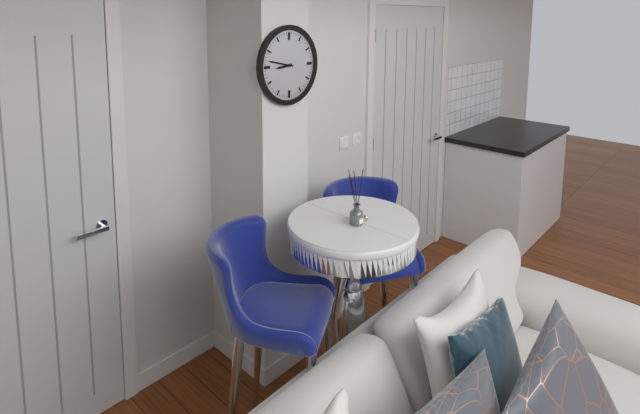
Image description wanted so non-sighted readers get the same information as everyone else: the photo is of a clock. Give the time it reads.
8:47
